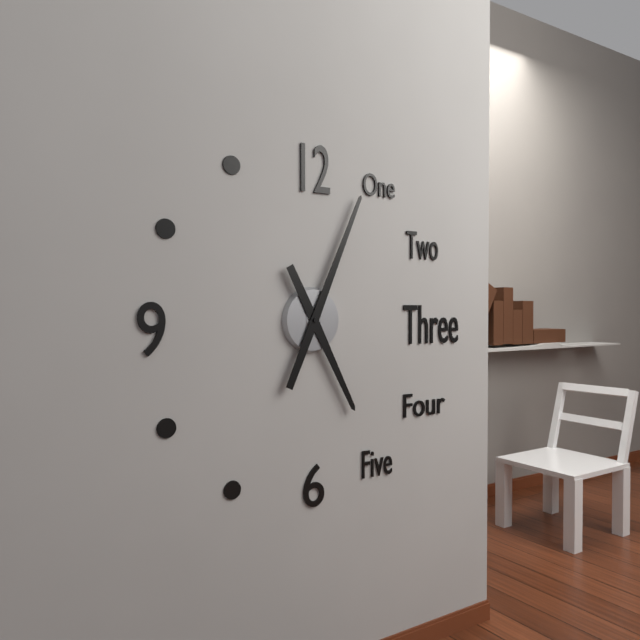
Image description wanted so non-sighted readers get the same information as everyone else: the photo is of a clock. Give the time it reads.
5:04
